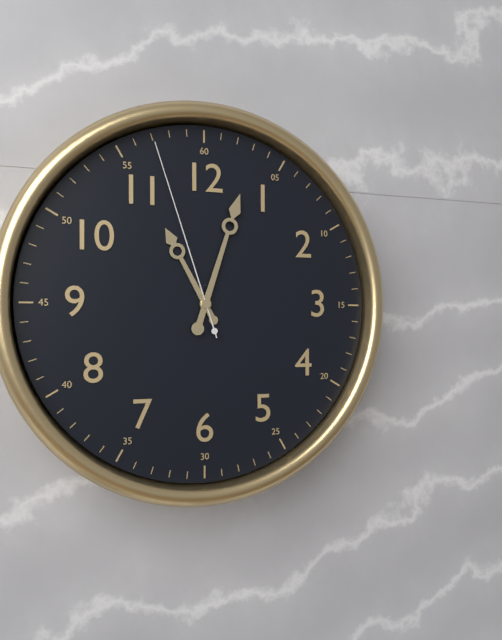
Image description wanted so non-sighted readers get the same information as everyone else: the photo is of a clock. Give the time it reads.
11:03:57
